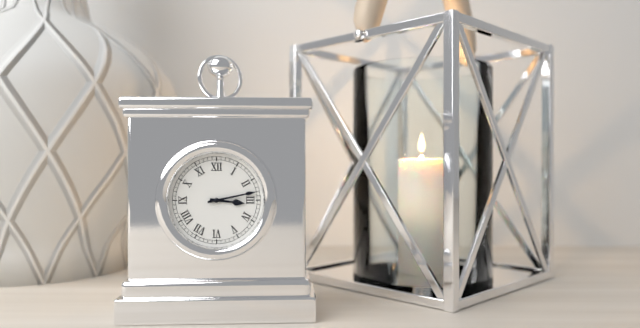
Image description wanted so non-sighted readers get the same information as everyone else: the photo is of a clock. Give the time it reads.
3:13
